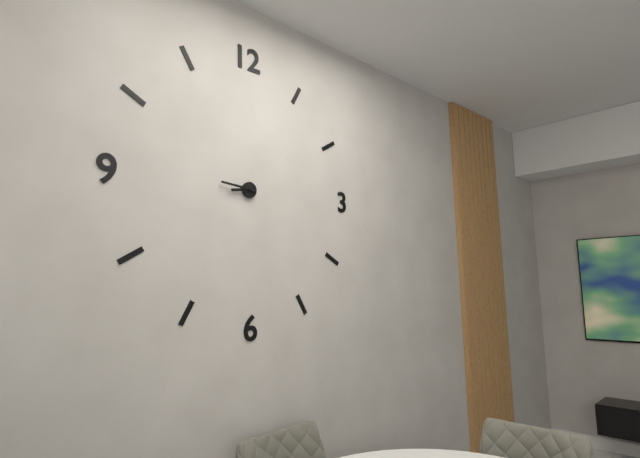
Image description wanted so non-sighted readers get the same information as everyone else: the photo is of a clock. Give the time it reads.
8:46
